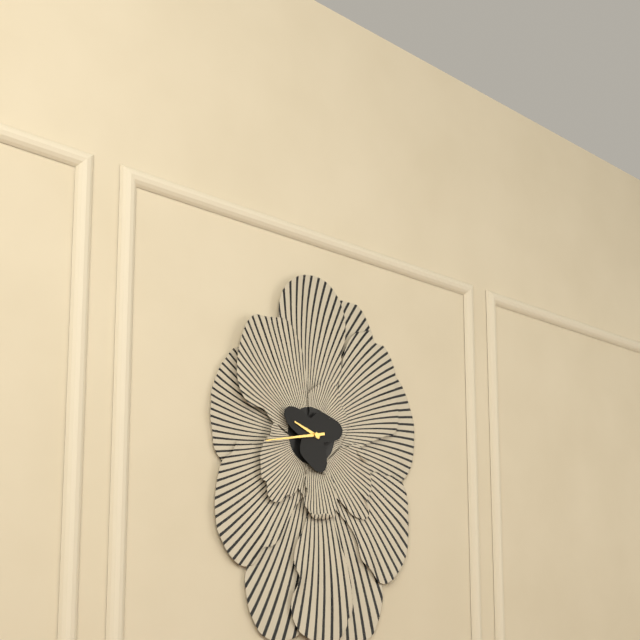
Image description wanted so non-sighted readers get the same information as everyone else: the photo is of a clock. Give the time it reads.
9:43
